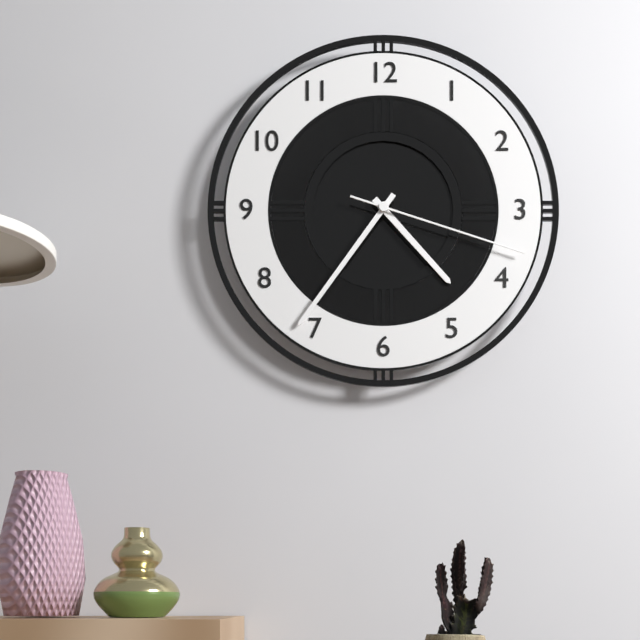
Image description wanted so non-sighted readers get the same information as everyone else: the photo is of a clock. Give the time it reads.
4:36:18
